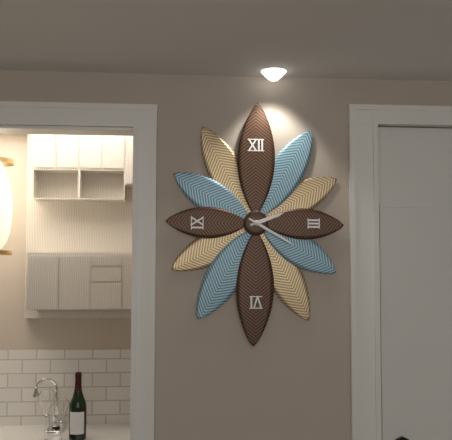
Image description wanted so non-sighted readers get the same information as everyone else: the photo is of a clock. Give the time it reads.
2:20
